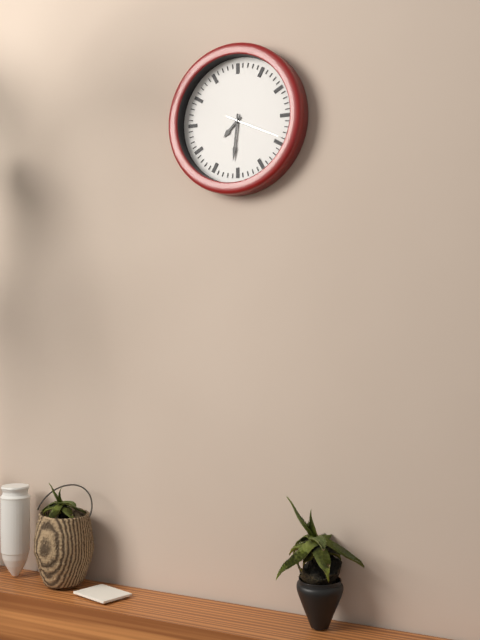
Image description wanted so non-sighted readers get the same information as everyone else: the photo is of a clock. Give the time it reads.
7:31:19
